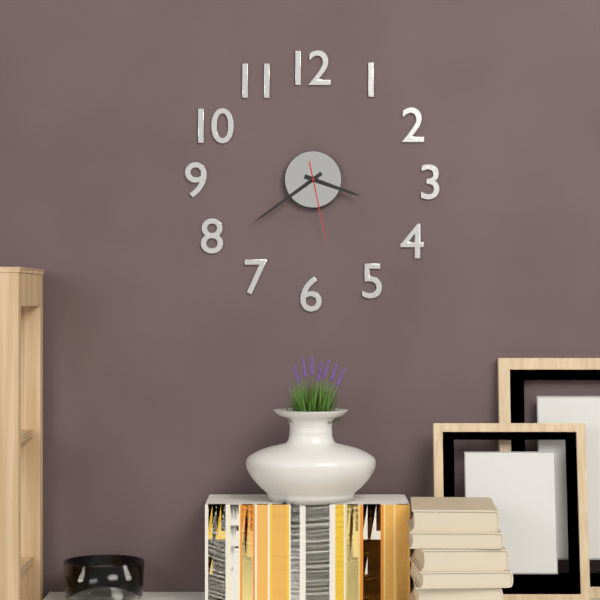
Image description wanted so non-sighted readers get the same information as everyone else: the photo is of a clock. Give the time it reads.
3:39:28
